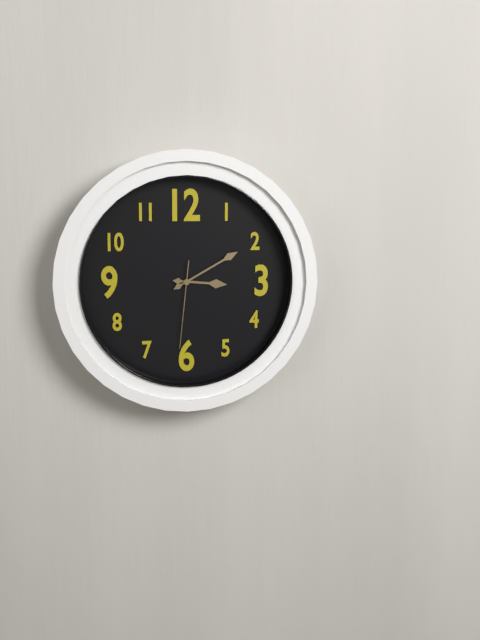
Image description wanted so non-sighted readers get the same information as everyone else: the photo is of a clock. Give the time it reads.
3:10:31
